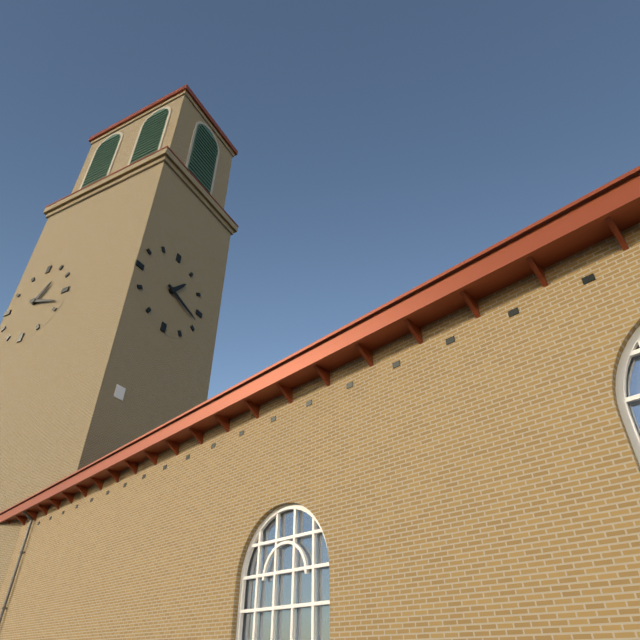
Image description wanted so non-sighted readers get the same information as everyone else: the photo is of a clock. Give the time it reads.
1:18
